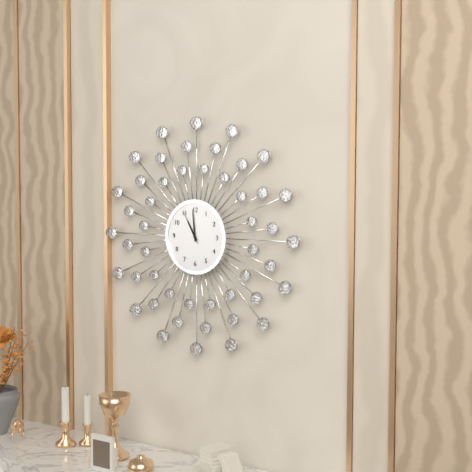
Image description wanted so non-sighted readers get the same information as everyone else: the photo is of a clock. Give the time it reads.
10:59
